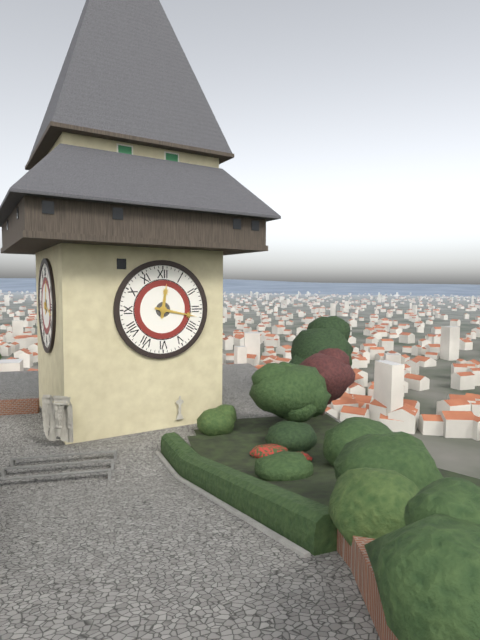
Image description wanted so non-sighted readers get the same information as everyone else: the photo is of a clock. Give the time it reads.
12:17
